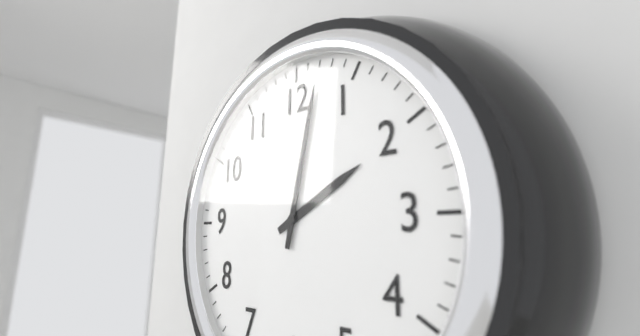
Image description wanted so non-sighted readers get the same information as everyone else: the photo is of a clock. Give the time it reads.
2:02
